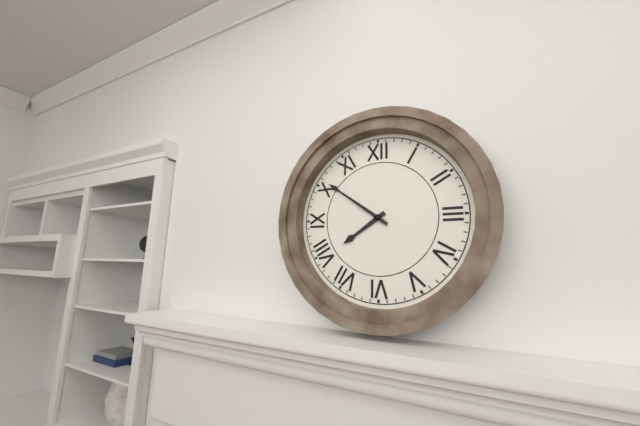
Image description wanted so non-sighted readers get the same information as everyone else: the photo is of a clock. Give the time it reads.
7:51
